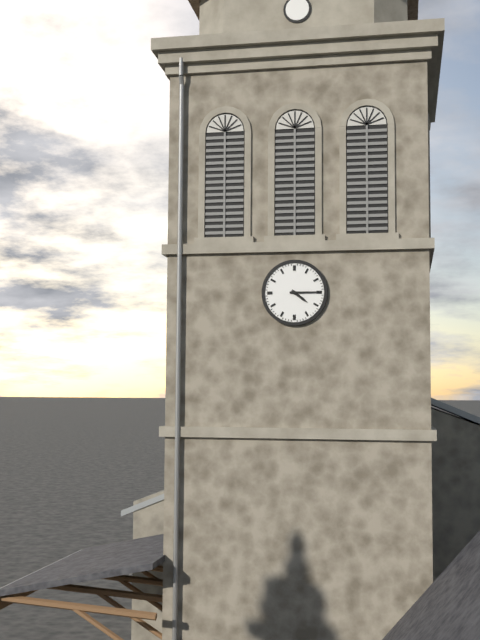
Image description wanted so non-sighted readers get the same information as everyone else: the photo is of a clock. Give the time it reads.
4:15
